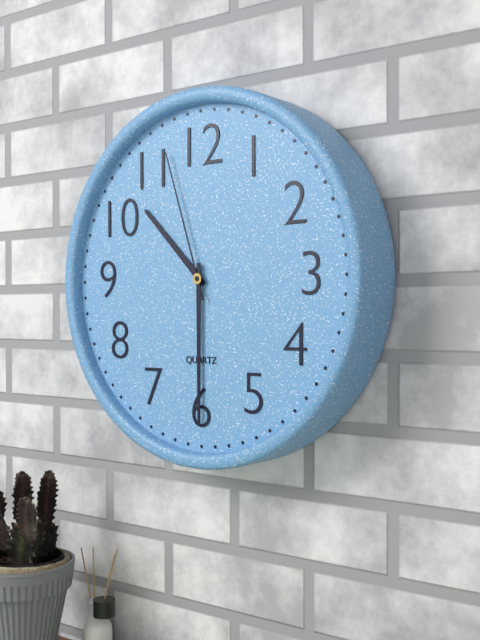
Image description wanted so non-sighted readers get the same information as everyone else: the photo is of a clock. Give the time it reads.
10:30:57
